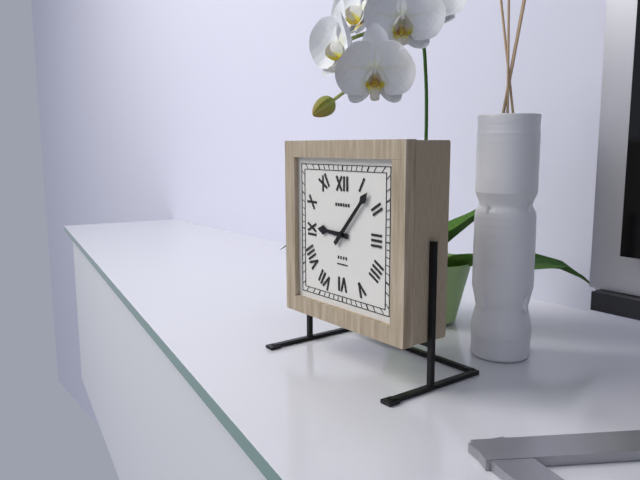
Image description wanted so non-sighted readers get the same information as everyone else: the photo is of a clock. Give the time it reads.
9:07
